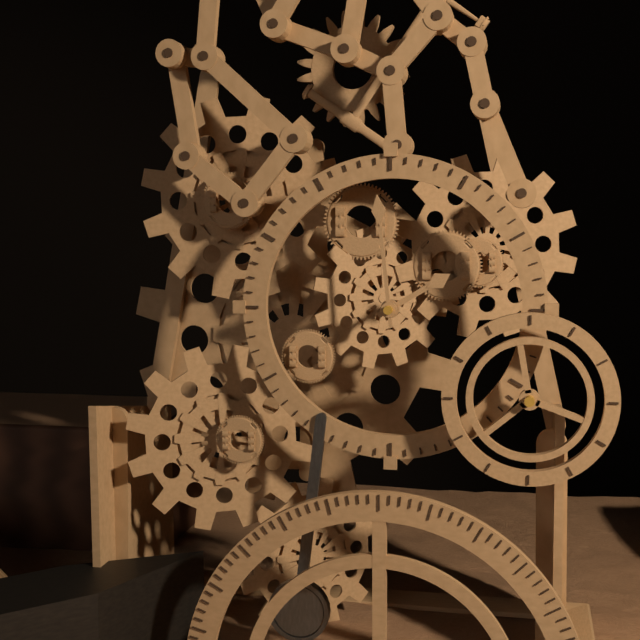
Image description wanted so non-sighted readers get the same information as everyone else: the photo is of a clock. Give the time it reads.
1:59
